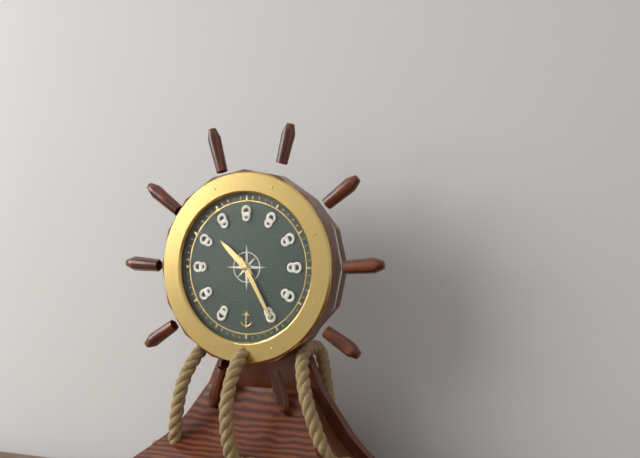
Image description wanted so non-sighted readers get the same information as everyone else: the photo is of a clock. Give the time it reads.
10:25
